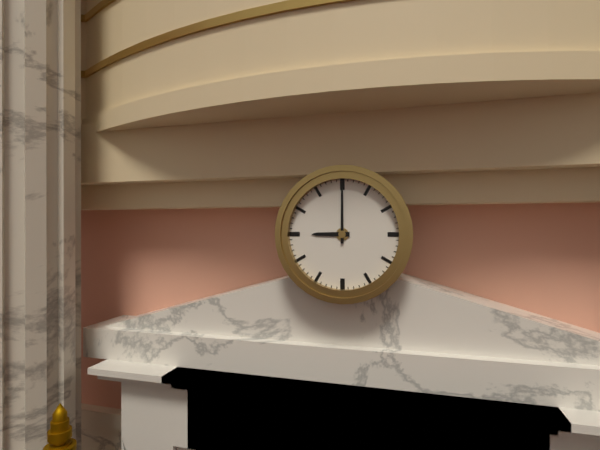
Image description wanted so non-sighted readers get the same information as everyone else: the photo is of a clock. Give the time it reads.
9:00
